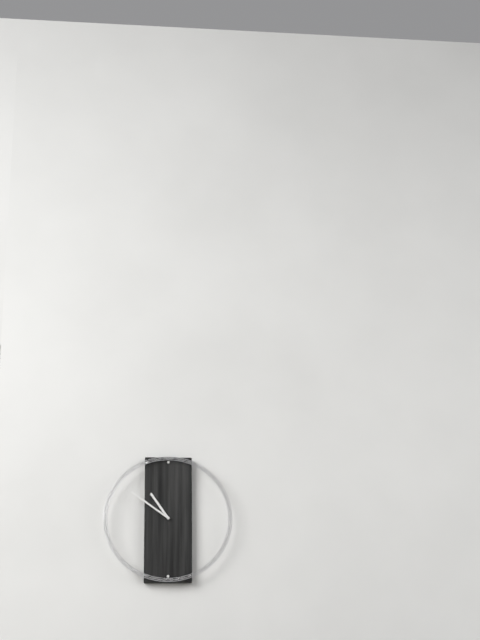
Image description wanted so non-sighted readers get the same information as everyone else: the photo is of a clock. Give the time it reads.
10:51
